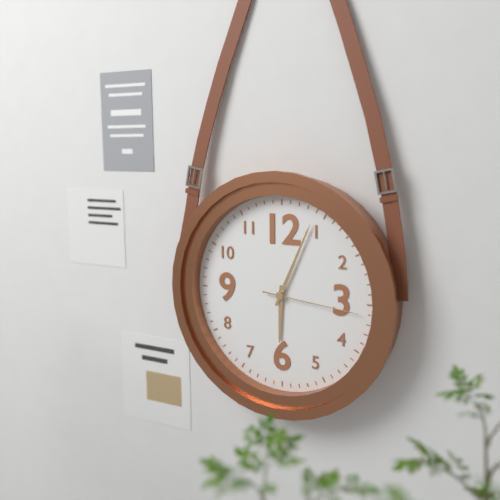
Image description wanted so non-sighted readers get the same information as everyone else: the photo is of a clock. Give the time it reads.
6:04:16
